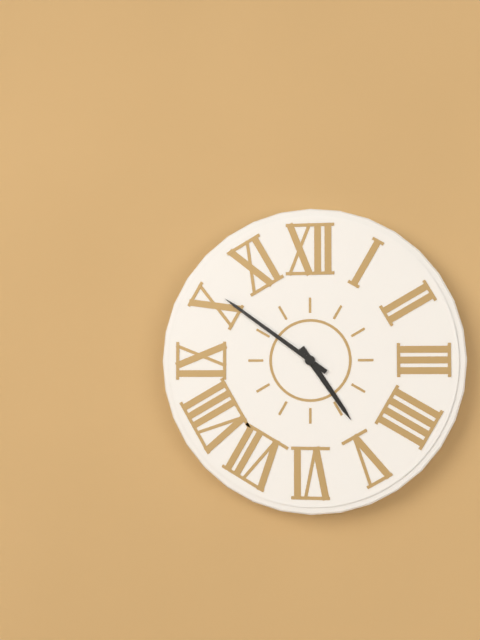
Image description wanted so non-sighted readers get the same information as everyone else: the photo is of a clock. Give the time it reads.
4:51
